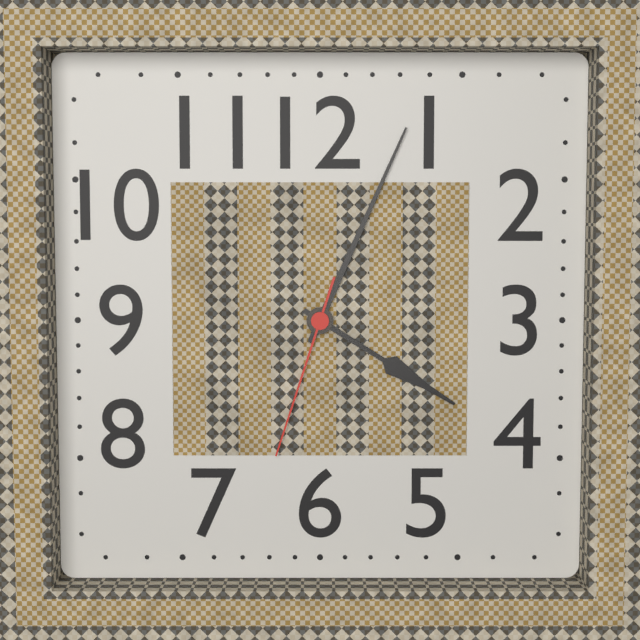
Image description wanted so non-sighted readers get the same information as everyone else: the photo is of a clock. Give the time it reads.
4:04:33
